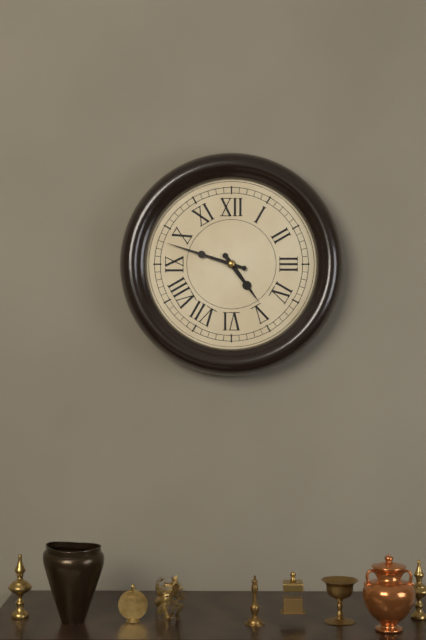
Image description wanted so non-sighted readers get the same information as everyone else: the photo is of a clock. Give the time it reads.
4:48
